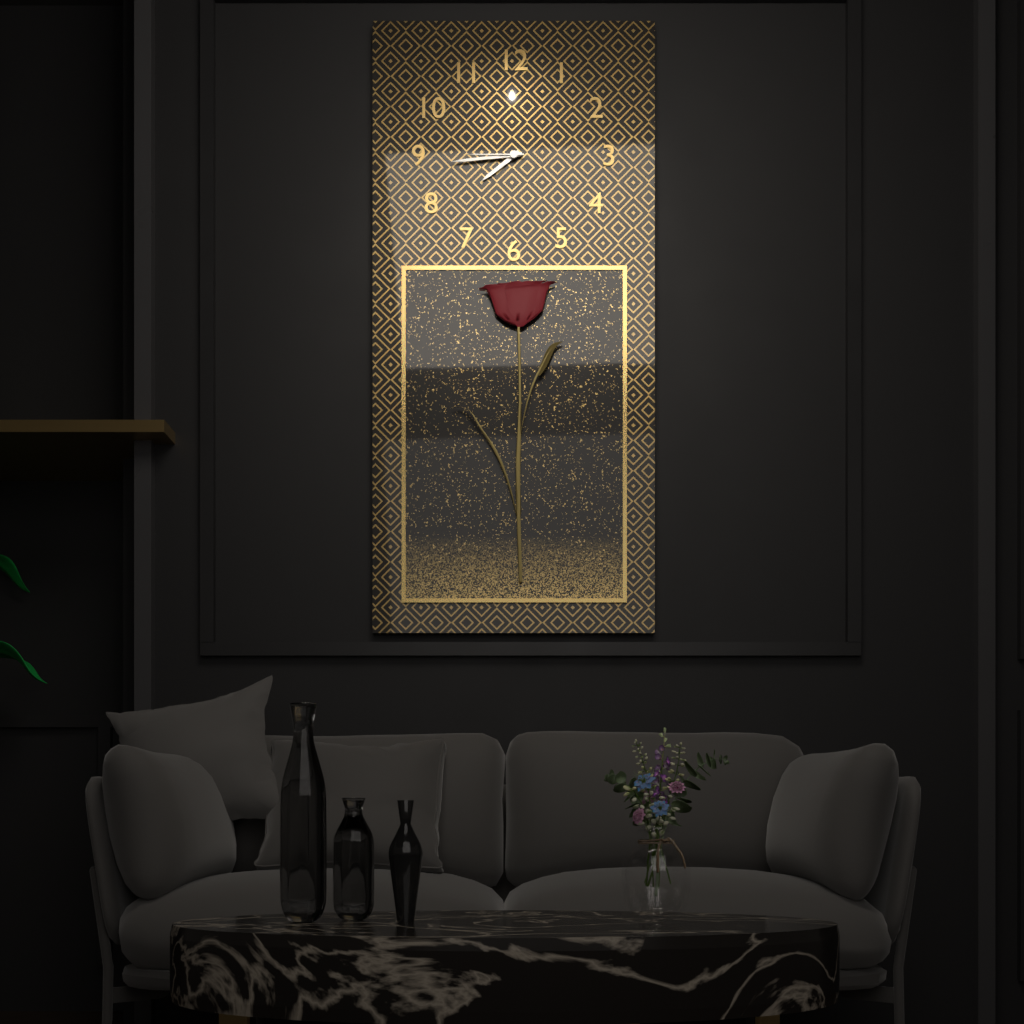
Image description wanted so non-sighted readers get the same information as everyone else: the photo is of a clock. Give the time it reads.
7:44:45
